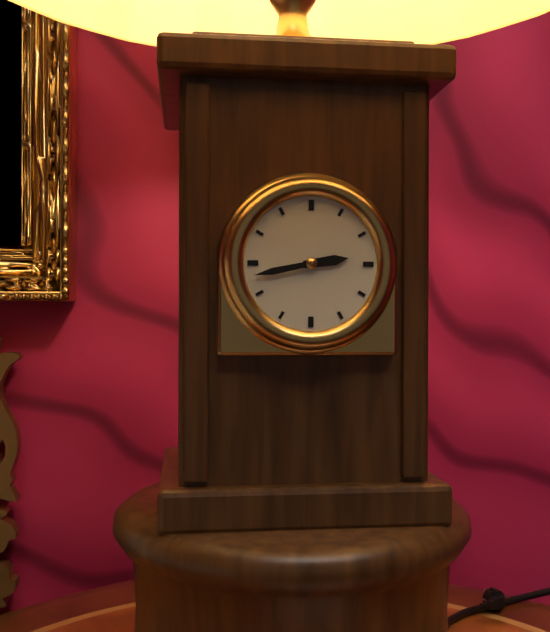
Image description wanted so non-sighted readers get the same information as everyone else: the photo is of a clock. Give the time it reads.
2:43
